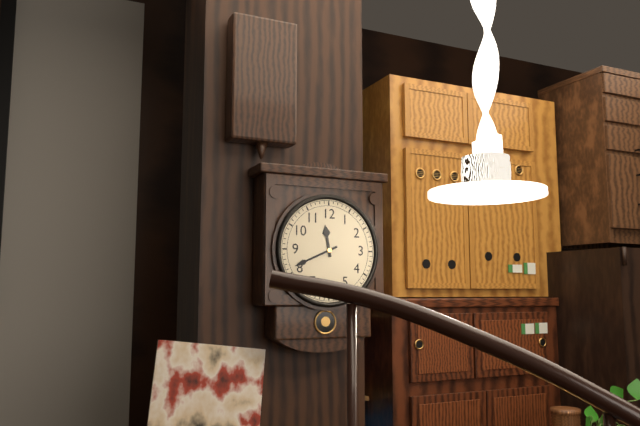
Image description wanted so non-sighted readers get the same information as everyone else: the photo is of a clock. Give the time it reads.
11:41
